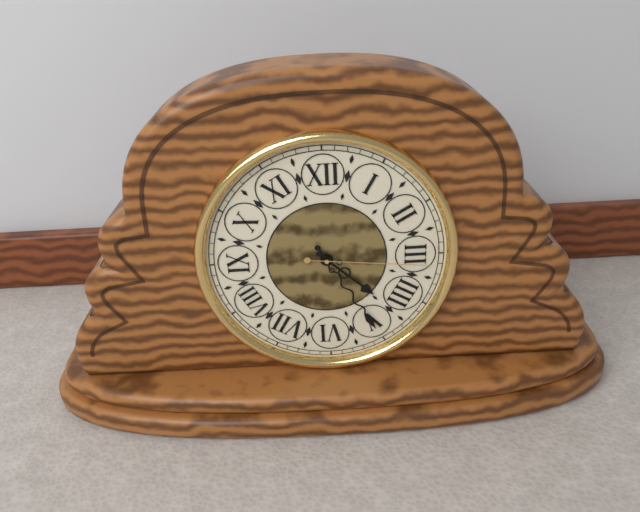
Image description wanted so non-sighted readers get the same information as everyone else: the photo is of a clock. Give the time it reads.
4:25:16
